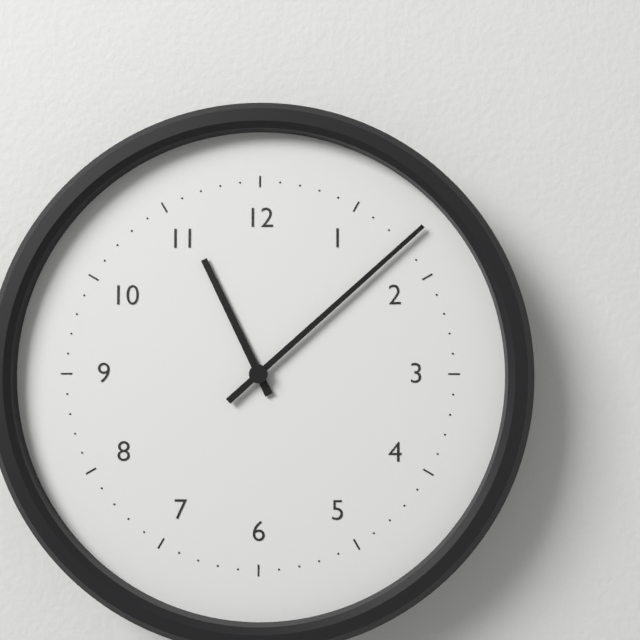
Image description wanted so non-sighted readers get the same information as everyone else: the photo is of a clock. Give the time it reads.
11:08
